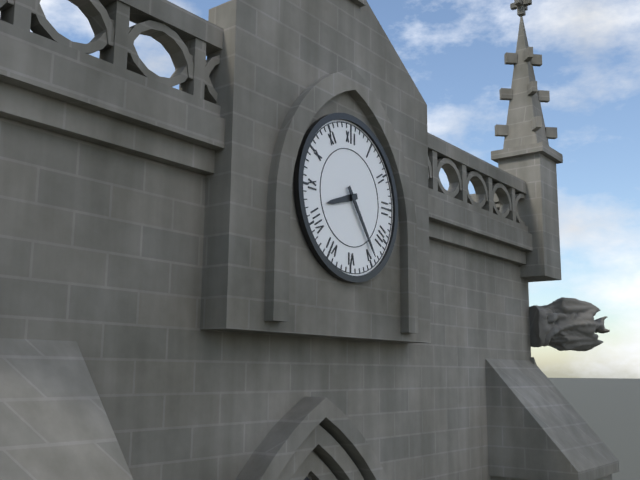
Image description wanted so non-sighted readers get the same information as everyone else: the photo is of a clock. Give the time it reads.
8:24
